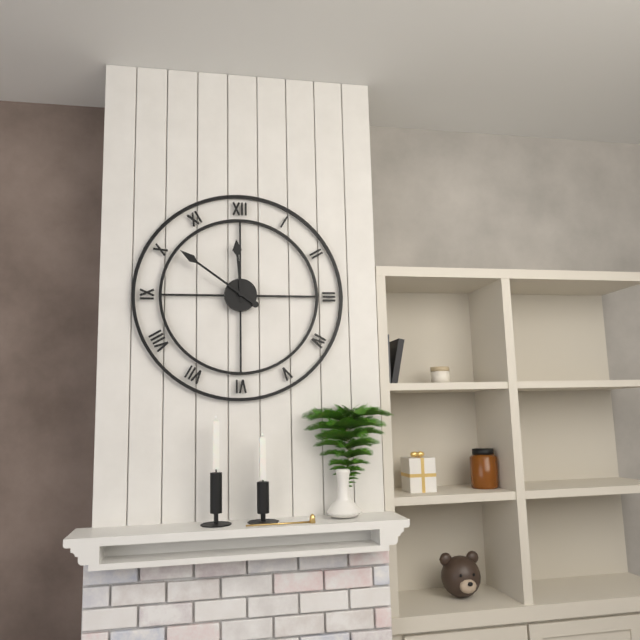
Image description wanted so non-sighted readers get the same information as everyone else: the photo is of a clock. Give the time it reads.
11:51
